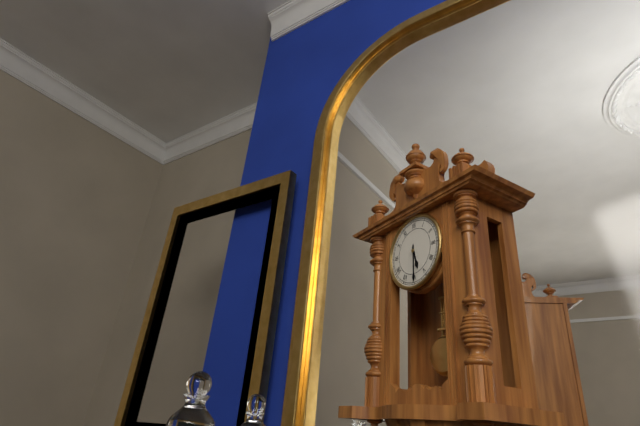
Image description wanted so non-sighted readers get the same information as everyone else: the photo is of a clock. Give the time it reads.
5:30
